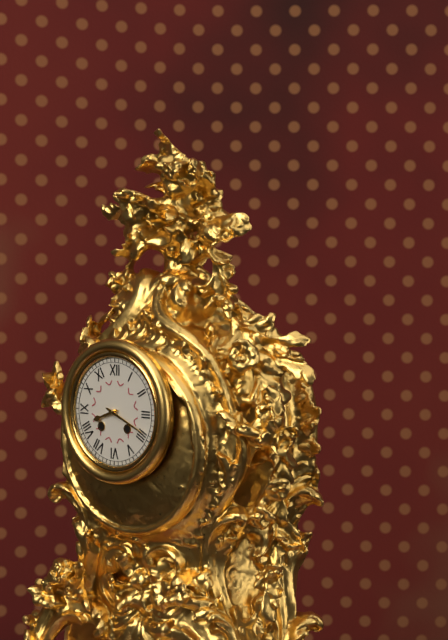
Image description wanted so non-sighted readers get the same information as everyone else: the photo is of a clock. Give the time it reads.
8:19
